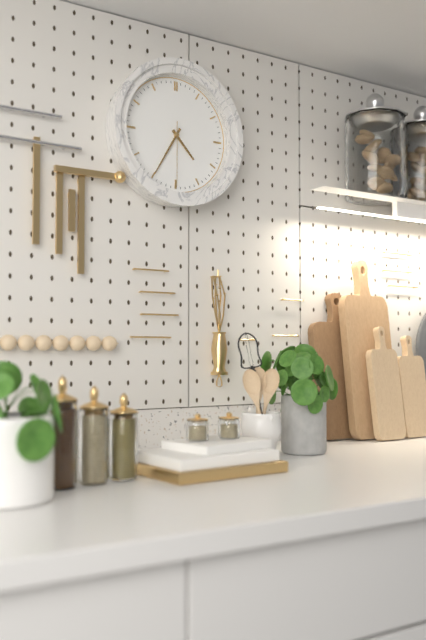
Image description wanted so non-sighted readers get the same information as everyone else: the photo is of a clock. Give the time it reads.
4:35:30
